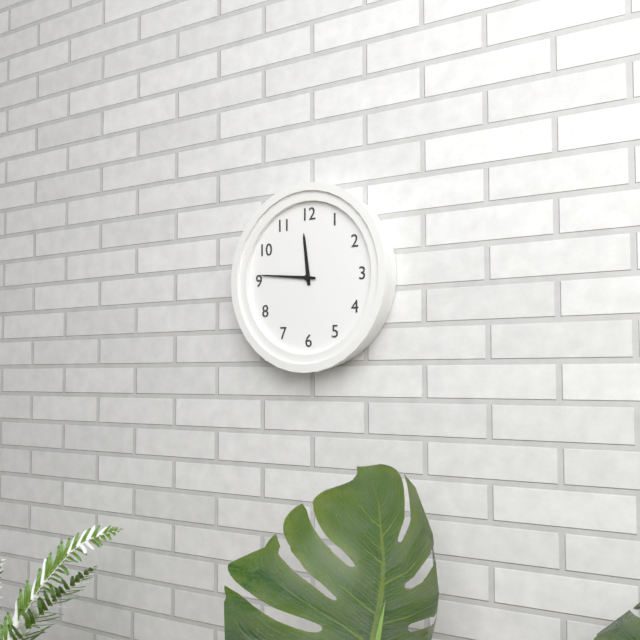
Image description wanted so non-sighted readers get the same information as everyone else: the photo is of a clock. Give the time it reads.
11:46
